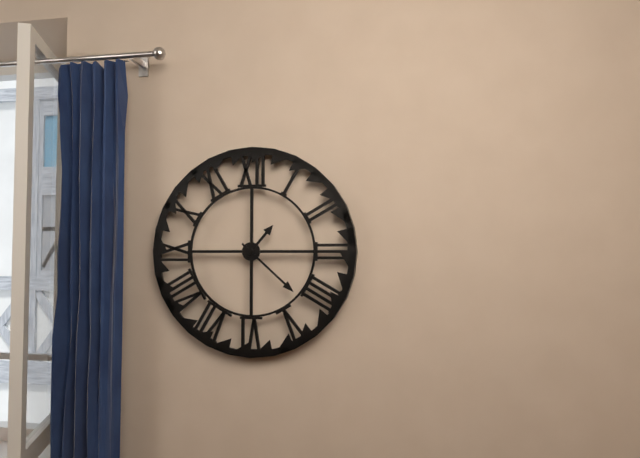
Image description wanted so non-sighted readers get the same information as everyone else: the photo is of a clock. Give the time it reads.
1:22
